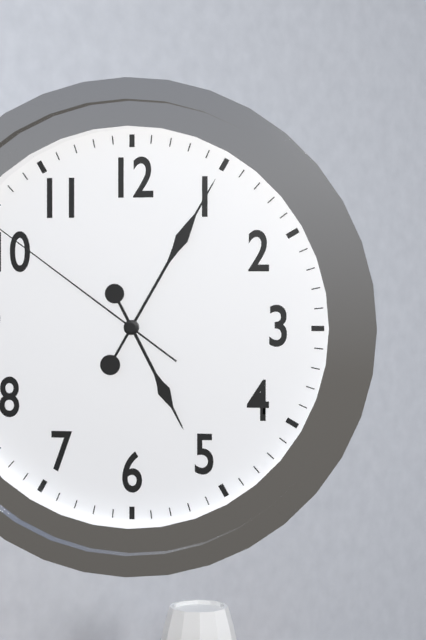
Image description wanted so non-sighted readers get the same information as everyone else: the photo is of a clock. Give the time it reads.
5:05
